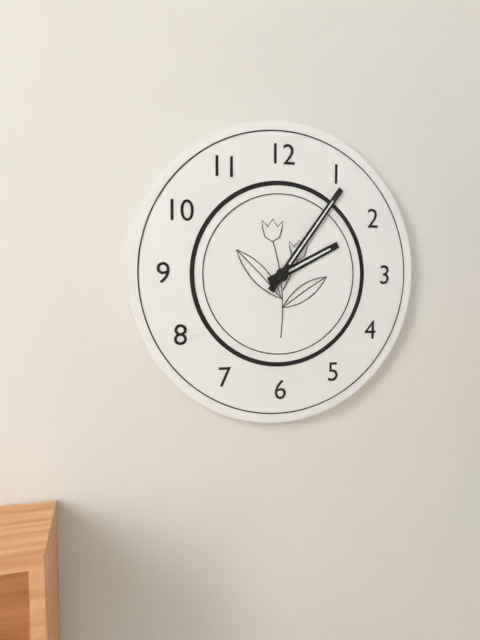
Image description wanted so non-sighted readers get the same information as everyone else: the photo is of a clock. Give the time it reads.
2:06
